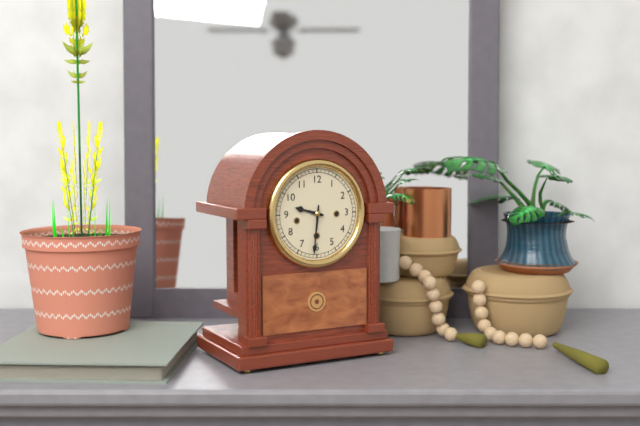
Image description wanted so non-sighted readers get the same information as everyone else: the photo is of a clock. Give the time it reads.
9:31
